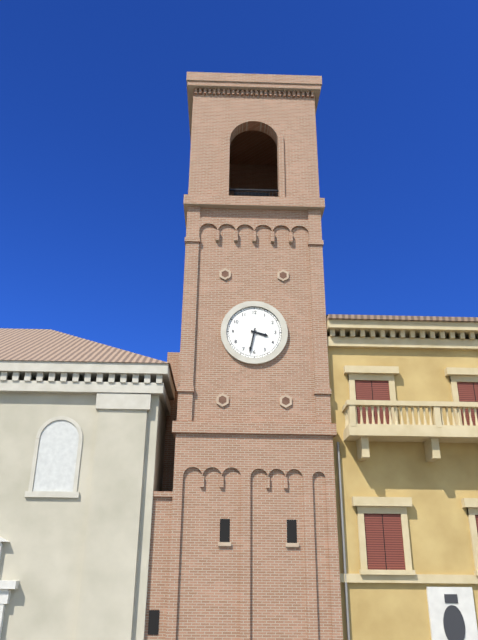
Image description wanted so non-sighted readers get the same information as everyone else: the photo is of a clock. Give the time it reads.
3:32
